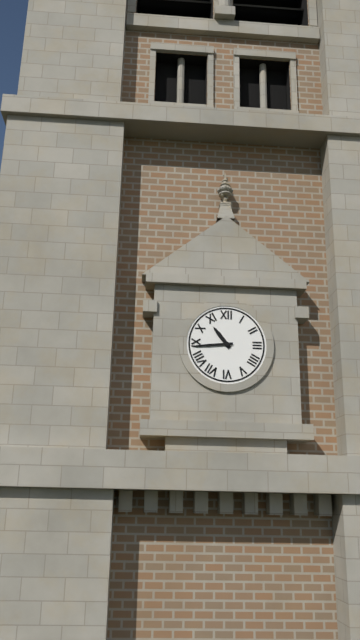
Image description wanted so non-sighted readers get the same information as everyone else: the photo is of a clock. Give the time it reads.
10:44
